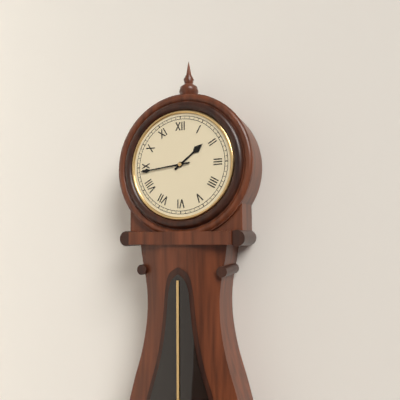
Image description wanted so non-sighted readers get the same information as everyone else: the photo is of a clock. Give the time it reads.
1:44
